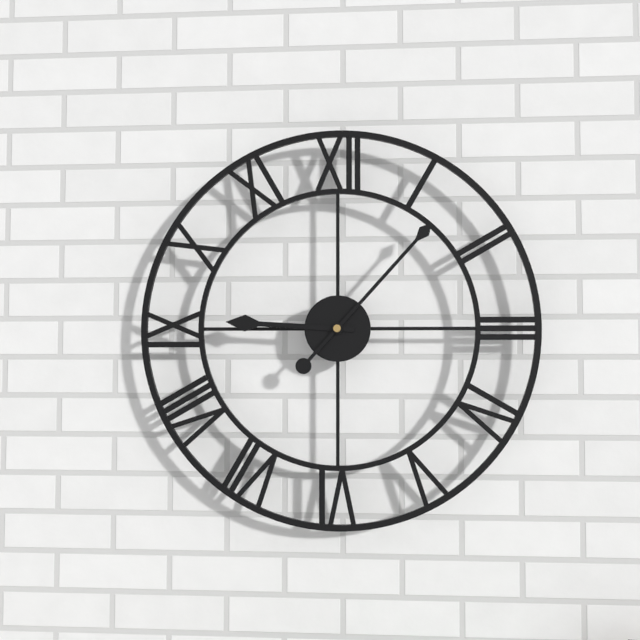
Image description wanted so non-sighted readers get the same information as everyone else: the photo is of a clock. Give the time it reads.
9:07
